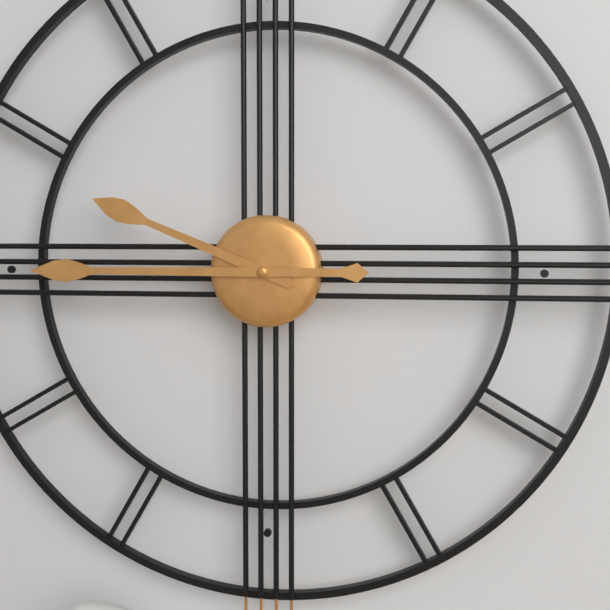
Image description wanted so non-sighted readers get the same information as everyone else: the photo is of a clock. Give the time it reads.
9:45
